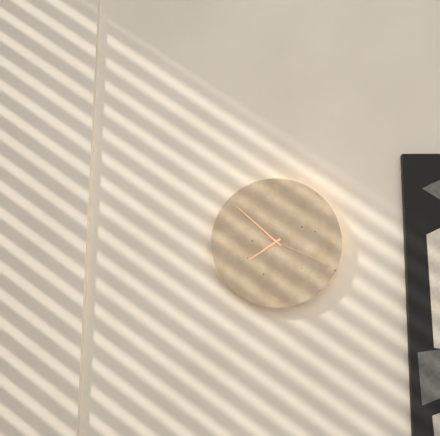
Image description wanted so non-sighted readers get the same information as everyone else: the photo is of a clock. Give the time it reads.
7:52:19
